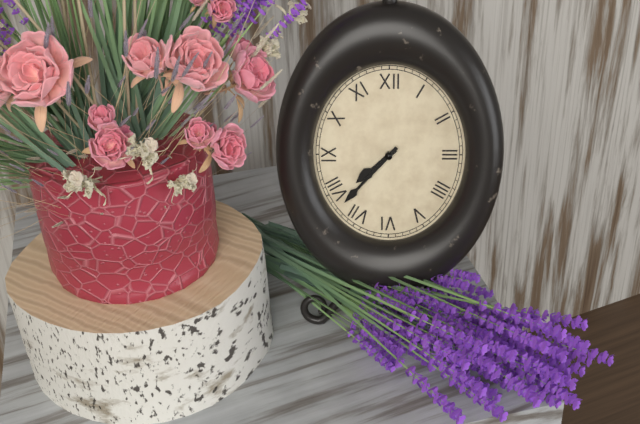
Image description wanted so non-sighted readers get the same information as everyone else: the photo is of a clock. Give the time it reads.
7:37
